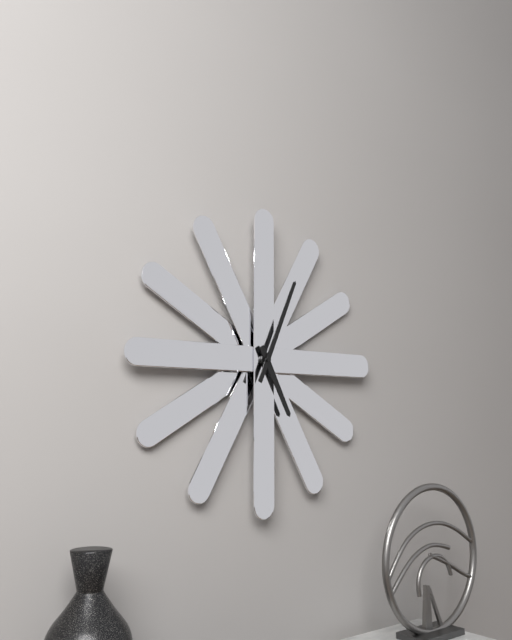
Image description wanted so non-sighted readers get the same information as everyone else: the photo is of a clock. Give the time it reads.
5:04
